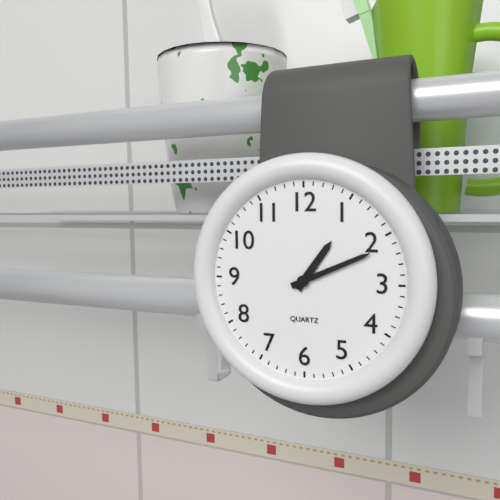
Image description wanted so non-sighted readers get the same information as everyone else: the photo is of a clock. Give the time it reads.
1:11
